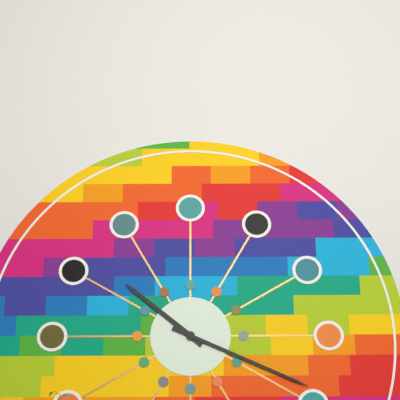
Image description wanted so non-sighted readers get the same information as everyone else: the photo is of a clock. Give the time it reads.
10:19
